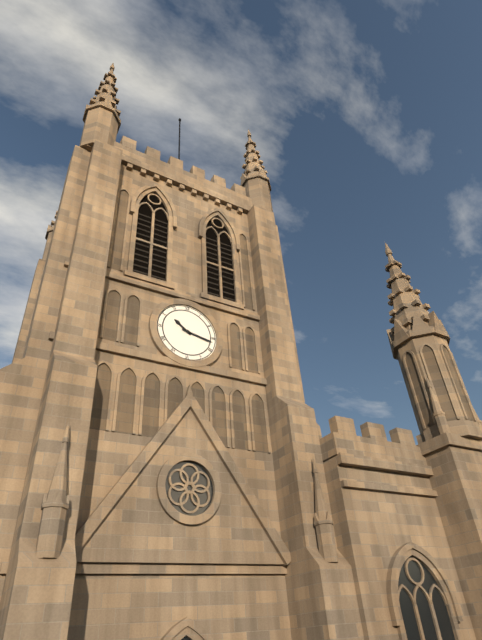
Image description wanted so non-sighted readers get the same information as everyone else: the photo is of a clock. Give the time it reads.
10:17
